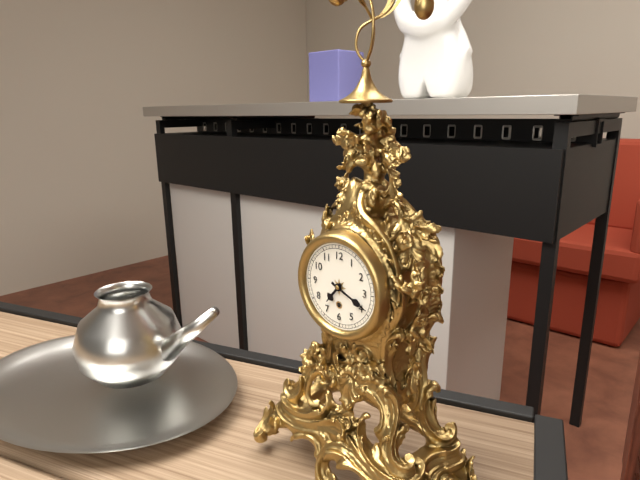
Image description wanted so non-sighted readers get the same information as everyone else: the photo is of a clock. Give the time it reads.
7:19
